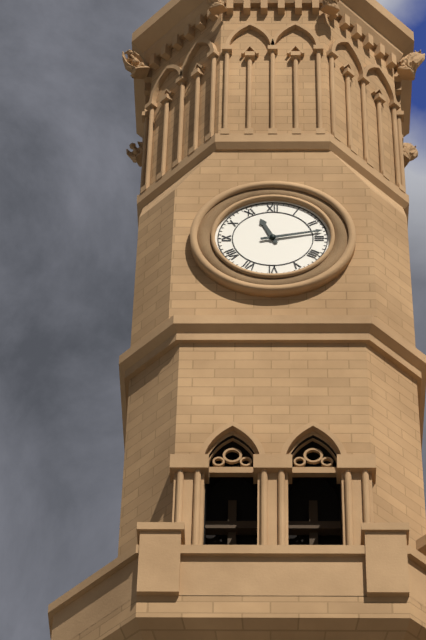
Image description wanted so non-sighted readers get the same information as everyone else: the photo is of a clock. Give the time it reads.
11:13
